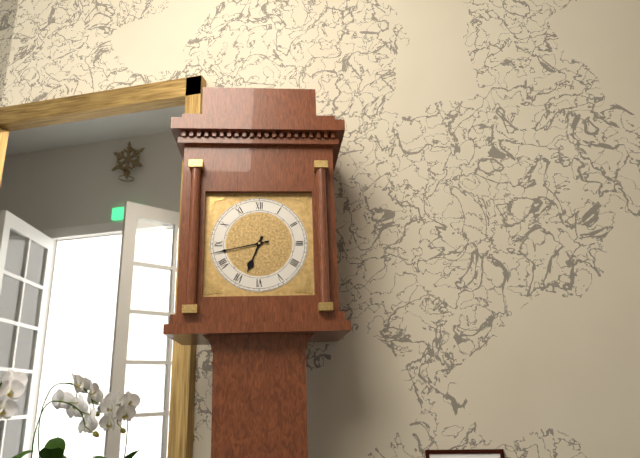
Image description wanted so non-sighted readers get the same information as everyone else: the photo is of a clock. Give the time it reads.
6:43
